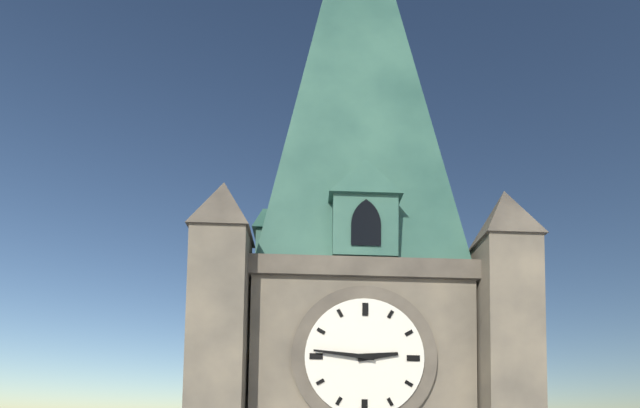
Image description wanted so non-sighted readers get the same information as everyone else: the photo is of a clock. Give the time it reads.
2:46
